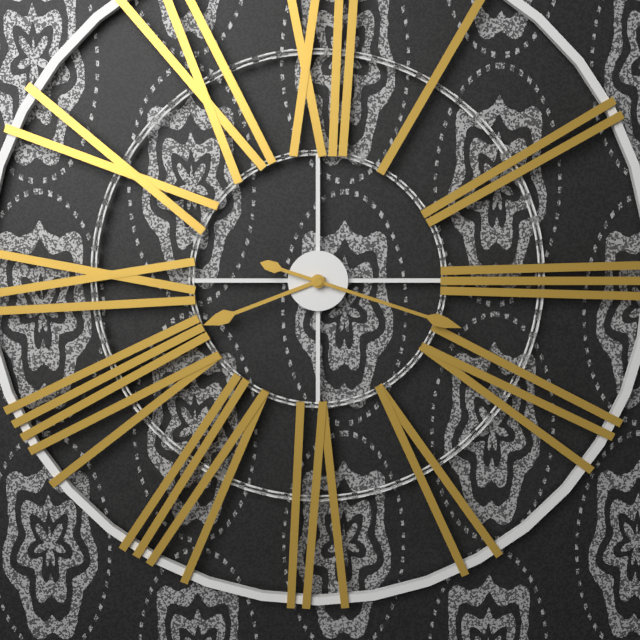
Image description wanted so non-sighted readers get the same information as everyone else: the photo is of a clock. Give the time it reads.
8:18
